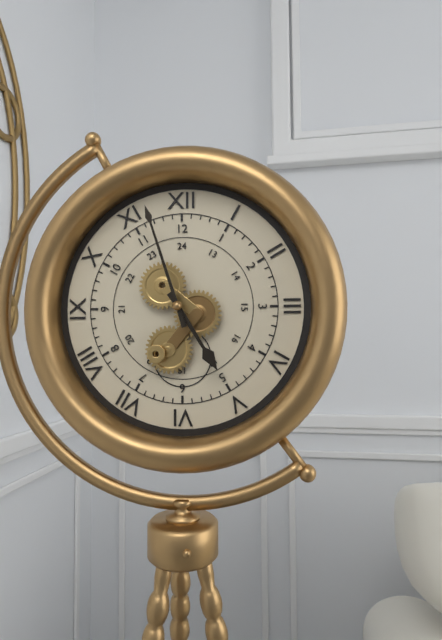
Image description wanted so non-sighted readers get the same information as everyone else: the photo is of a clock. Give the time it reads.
4:57
